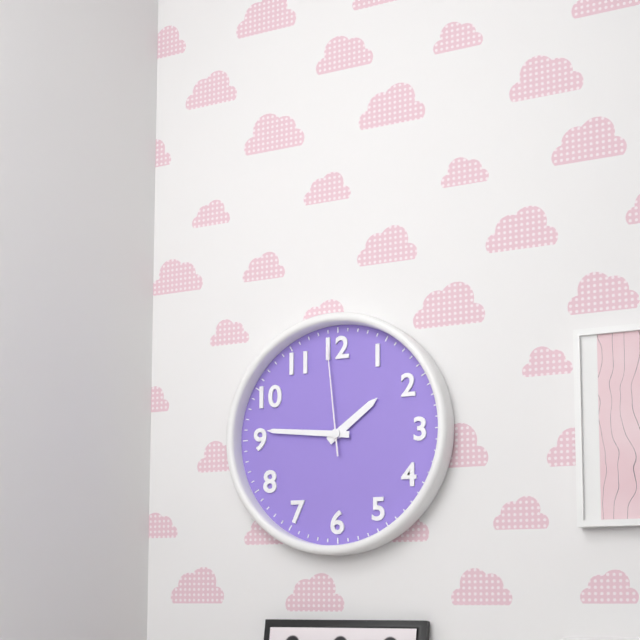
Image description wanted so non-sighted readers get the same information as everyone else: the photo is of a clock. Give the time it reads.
1:46:59
